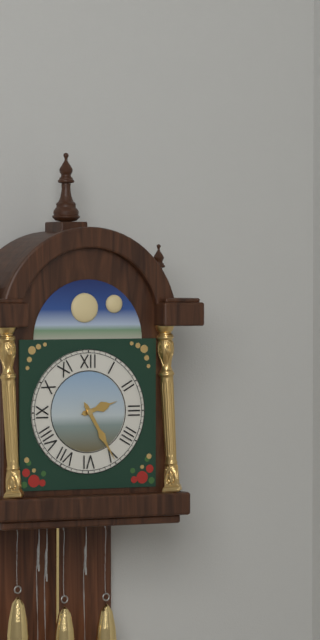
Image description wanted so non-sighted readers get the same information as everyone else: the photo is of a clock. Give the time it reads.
2:25
